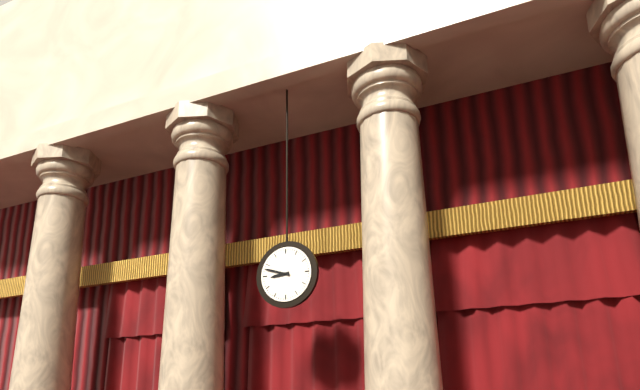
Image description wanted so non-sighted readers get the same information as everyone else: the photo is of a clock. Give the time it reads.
8:48
